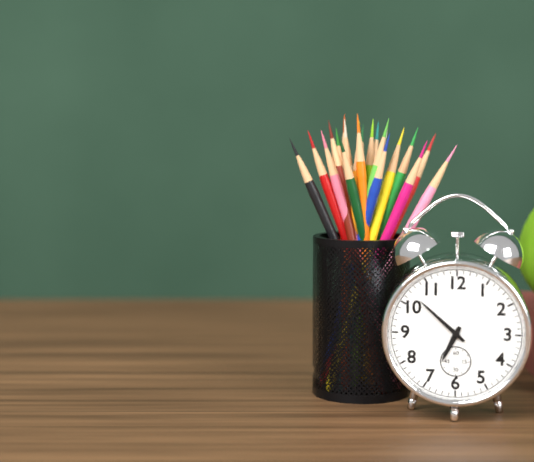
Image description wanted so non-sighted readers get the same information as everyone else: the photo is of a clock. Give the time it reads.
6:52
